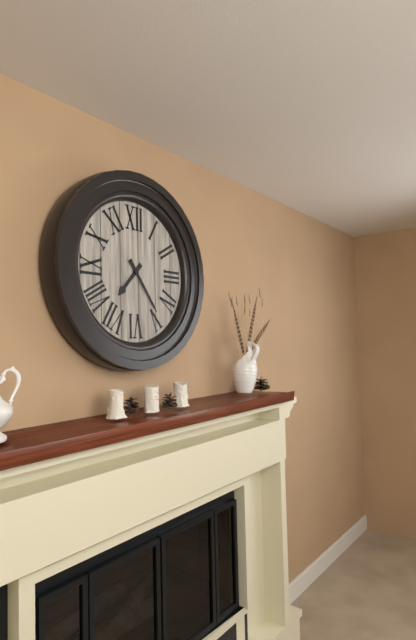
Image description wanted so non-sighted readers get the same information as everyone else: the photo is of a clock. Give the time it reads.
7:24
